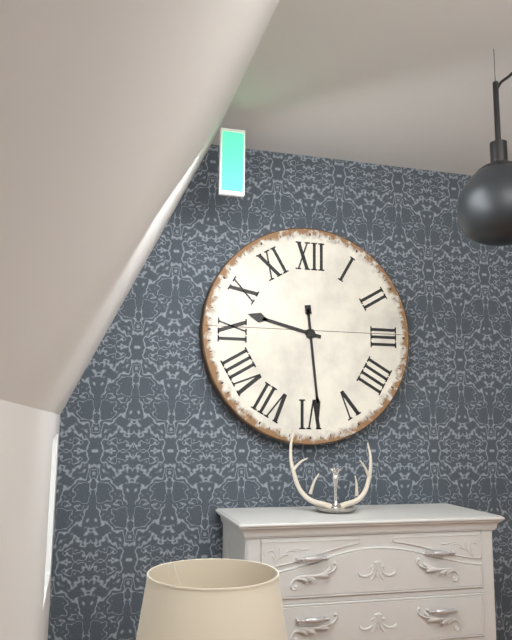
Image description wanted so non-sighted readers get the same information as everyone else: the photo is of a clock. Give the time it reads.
9:29
